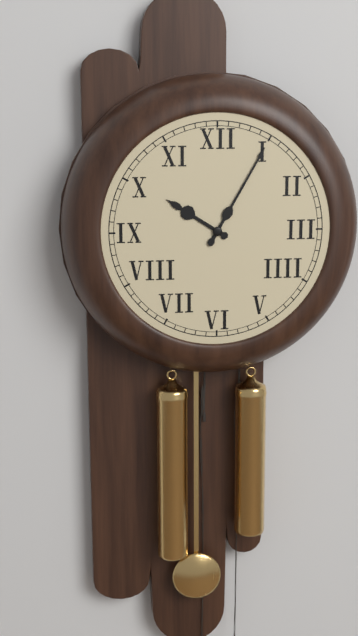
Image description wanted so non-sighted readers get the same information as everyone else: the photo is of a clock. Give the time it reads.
10:05
